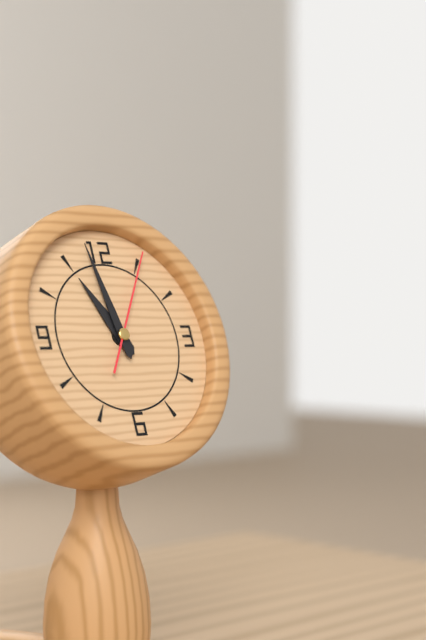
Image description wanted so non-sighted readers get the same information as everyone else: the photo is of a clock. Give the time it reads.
10:58:05
